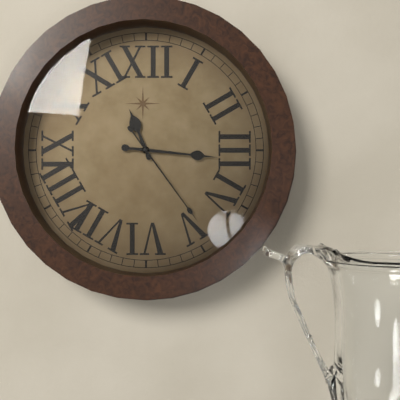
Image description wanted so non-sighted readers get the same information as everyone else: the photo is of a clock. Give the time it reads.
11:16:24
